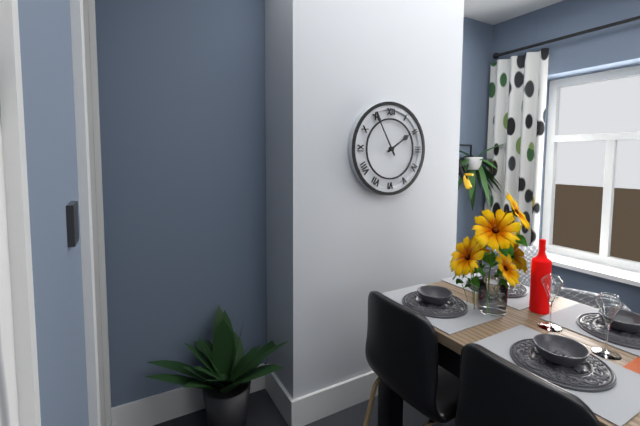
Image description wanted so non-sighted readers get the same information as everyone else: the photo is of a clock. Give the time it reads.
1:55
